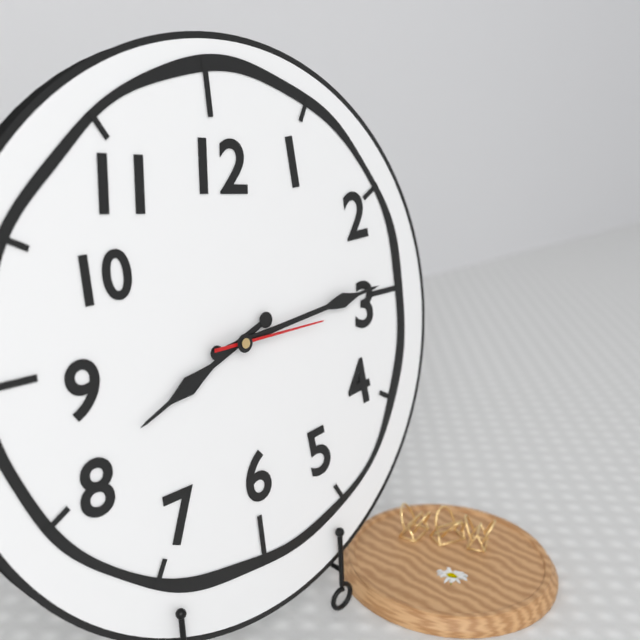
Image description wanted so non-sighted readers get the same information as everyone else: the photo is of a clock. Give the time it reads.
8:14:15
